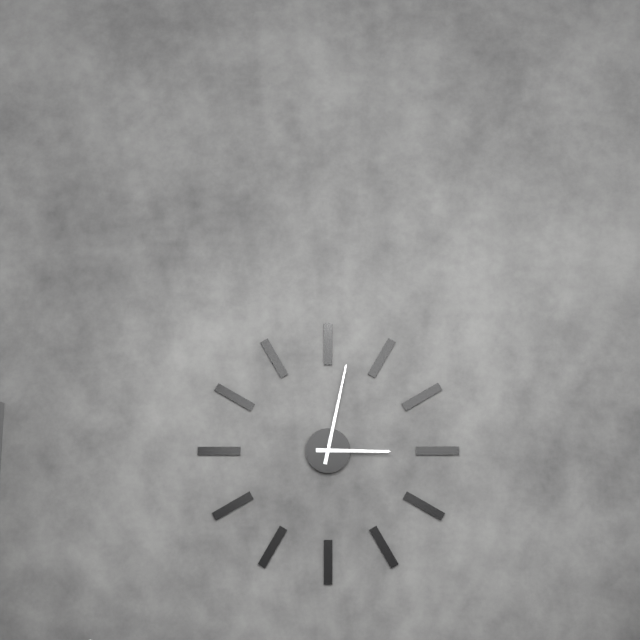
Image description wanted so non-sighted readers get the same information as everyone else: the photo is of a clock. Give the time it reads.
3:02
